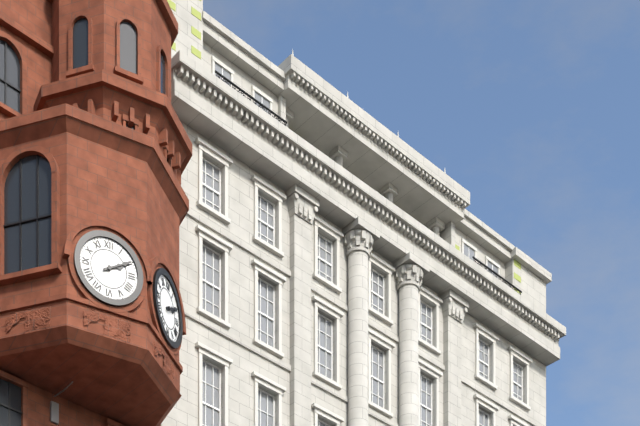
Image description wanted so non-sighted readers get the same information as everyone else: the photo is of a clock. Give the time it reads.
2:10
